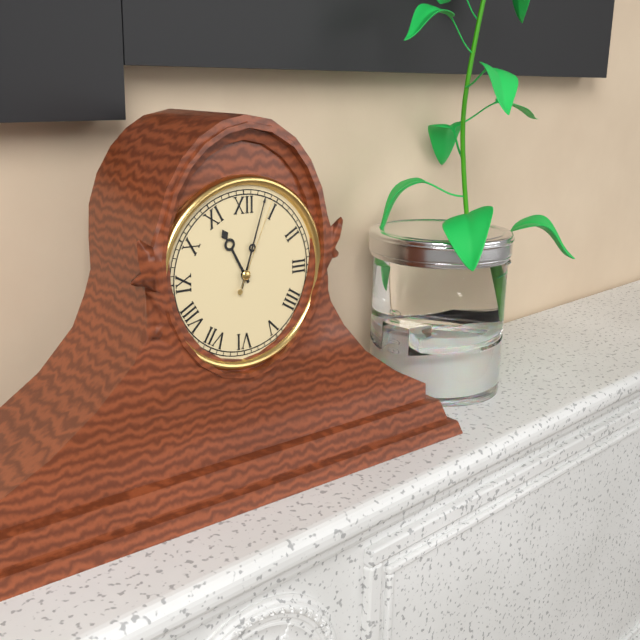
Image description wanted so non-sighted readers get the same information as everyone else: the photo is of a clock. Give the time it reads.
11:03:04
